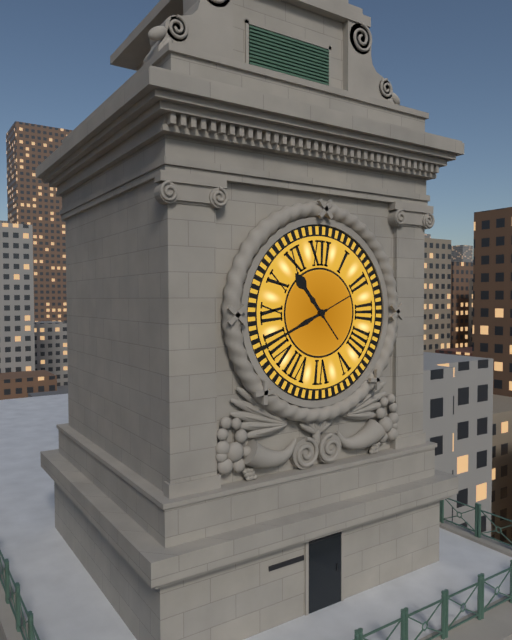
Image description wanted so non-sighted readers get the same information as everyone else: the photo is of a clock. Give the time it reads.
10:41
